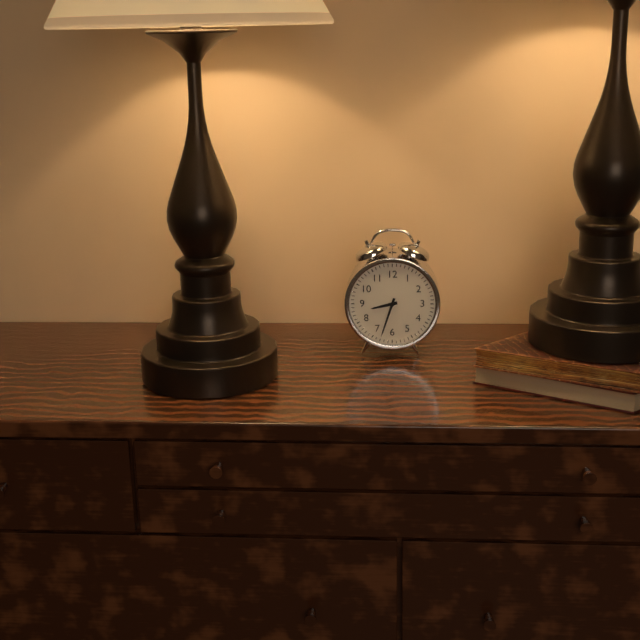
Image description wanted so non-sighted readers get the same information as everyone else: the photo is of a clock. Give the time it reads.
8:33
